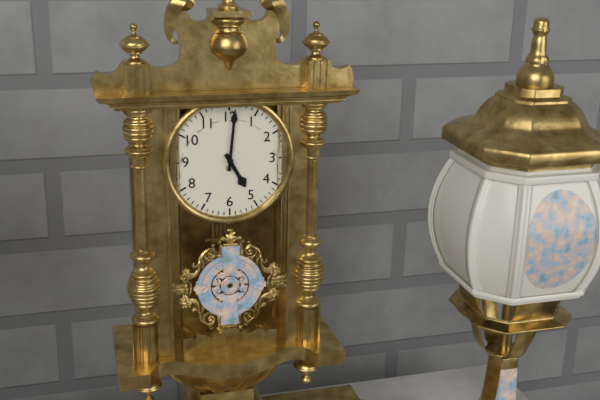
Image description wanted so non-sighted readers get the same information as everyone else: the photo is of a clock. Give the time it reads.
5:01
